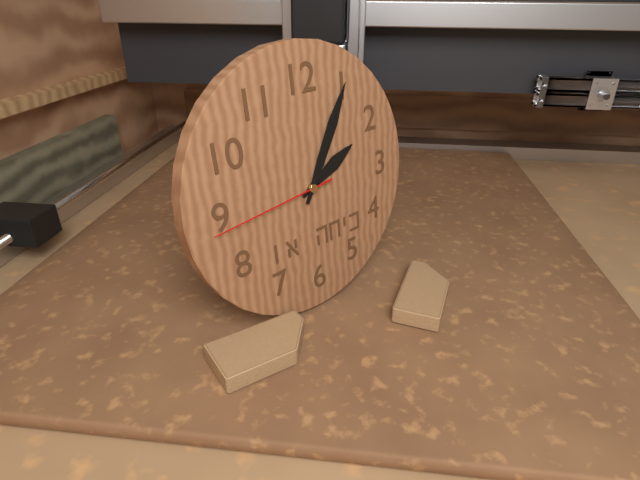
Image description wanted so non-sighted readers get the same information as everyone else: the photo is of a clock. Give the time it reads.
2:05:44
